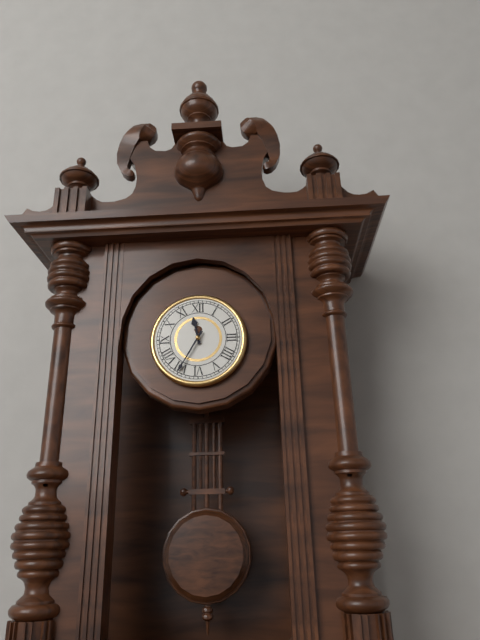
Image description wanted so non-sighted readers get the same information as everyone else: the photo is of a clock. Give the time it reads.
11:35
